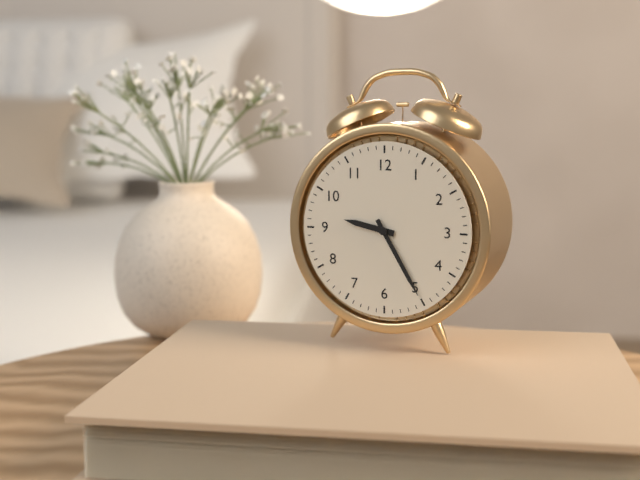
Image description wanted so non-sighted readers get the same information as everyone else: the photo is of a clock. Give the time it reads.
9:25
